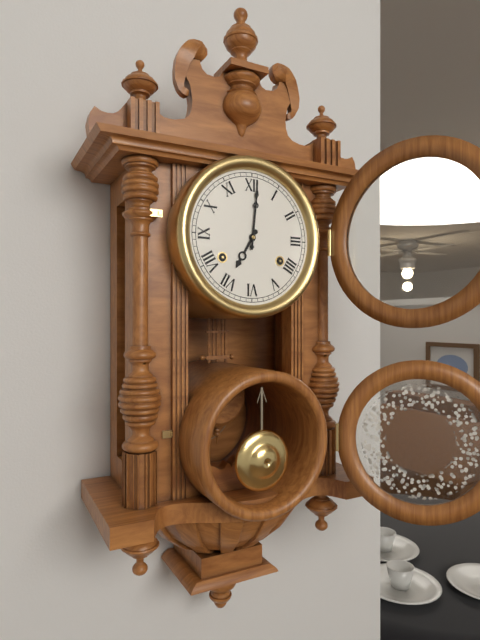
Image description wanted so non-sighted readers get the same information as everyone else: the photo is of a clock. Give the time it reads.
7:01
